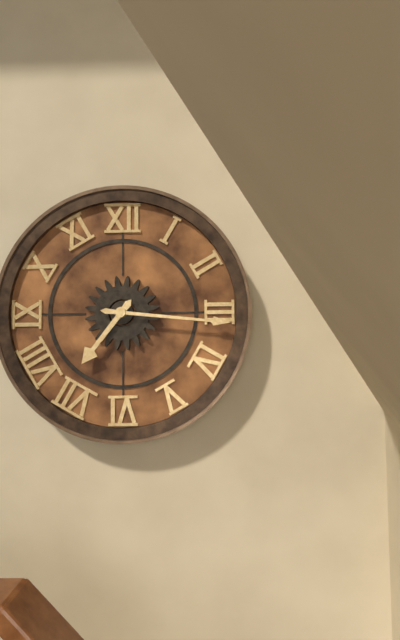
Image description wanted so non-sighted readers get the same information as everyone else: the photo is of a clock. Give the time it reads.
7:16
